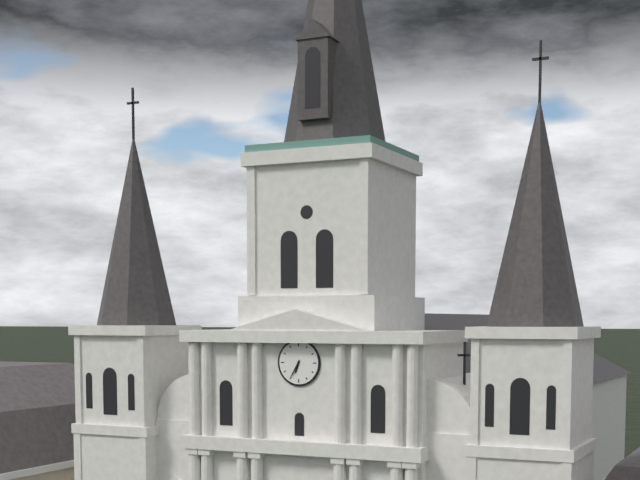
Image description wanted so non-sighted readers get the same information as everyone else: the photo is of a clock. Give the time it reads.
6:35
